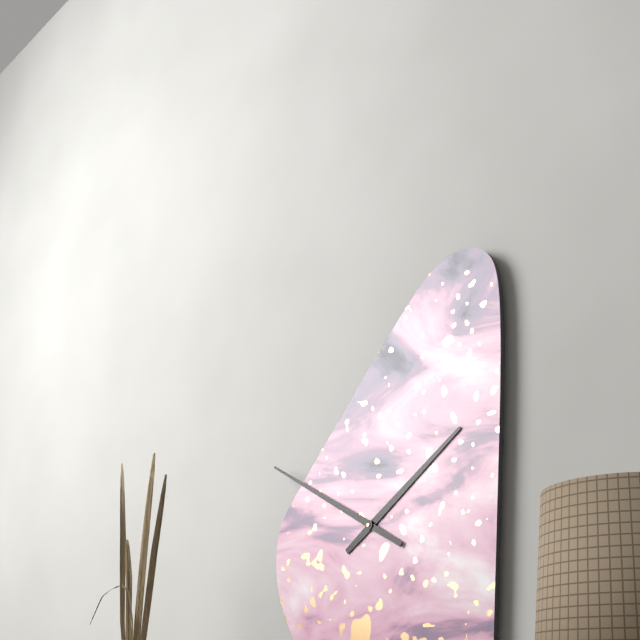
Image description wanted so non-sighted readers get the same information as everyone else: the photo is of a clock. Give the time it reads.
1:50
